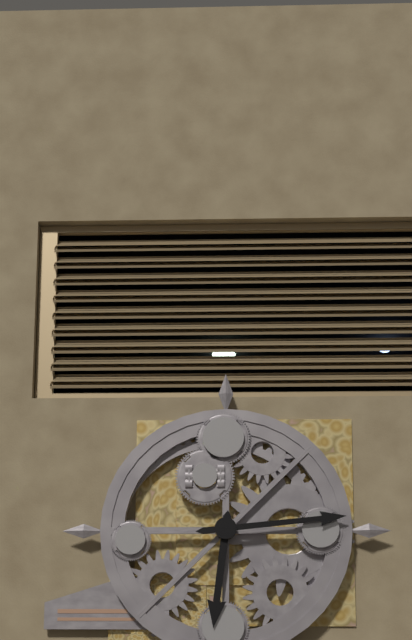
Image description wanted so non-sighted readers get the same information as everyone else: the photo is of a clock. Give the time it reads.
6:14
